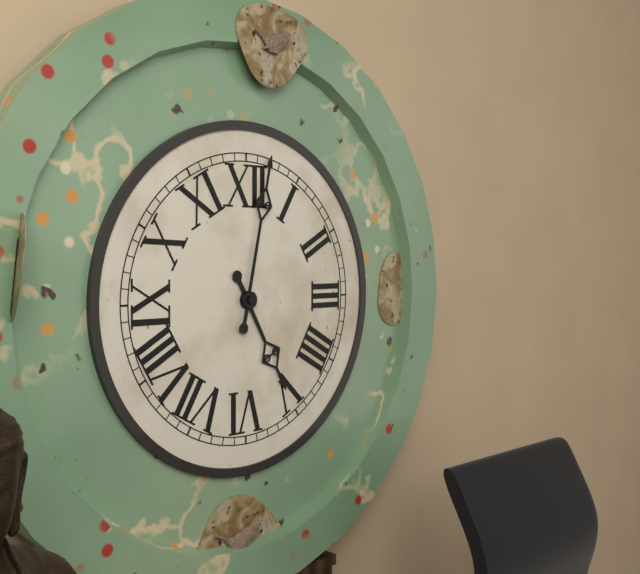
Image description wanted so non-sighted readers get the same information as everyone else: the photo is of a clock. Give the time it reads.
5:02
